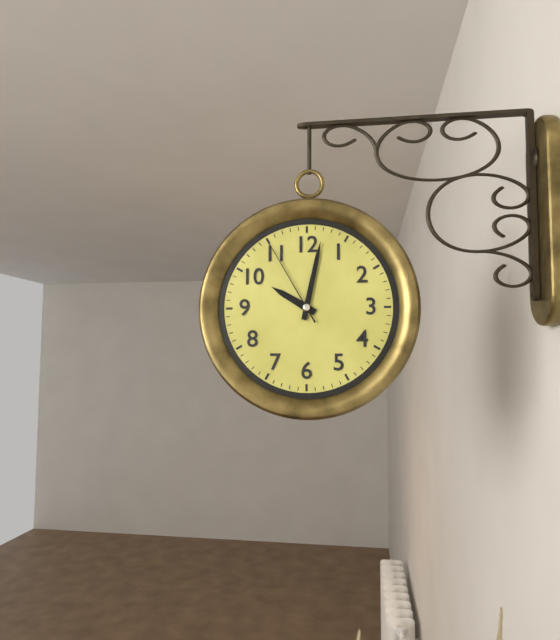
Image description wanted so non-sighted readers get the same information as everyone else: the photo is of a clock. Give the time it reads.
10:02:55
